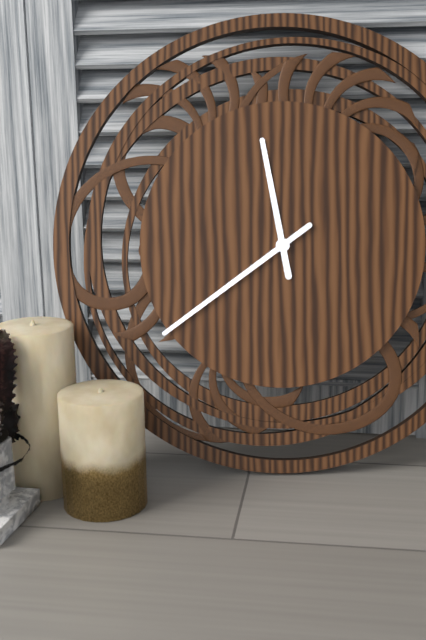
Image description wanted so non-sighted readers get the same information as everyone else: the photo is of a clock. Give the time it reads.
11:39
